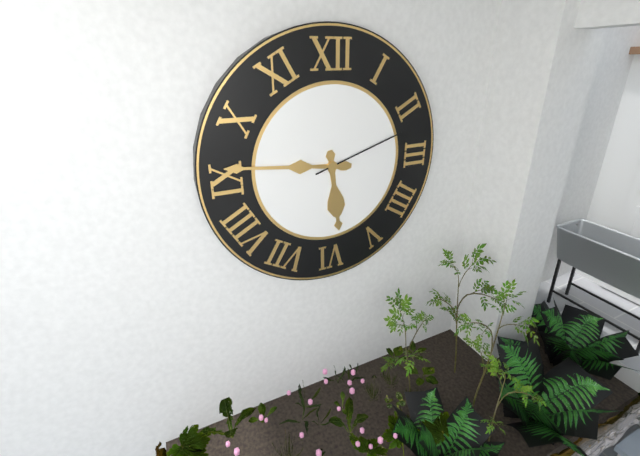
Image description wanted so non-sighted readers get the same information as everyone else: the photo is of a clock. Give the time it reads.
5:46:12
